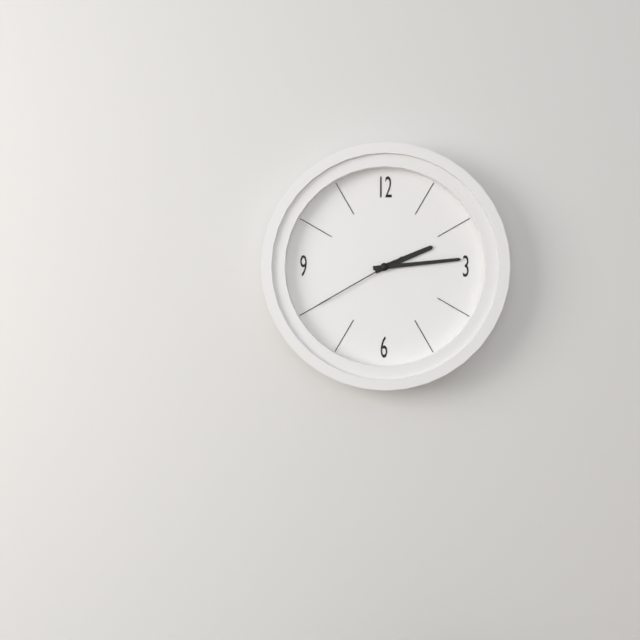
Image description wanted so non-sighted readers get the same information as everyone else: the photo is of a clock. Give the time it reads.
2:14:40
